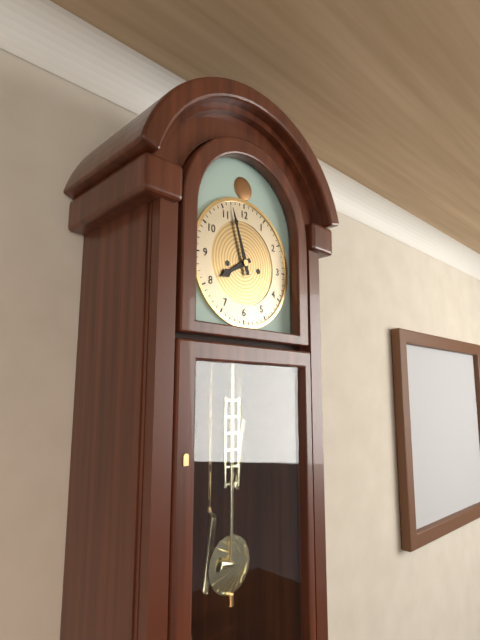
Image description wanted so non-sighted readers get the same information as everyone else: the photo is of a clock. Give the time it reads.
7:57
